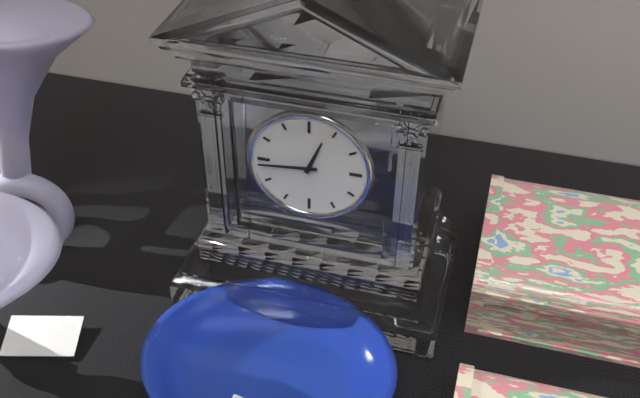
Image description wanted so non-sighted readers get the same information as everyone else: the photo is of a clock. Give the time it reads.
12:44
